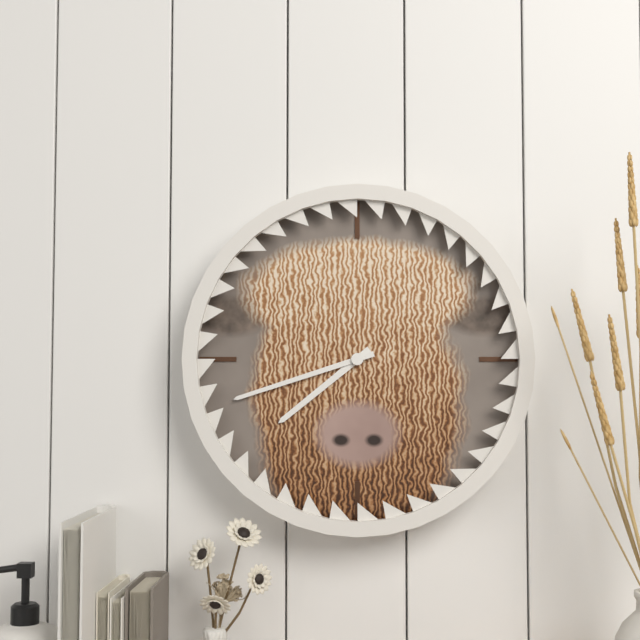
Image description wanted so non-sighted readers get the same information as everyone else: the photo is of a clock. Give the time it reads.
7:42
